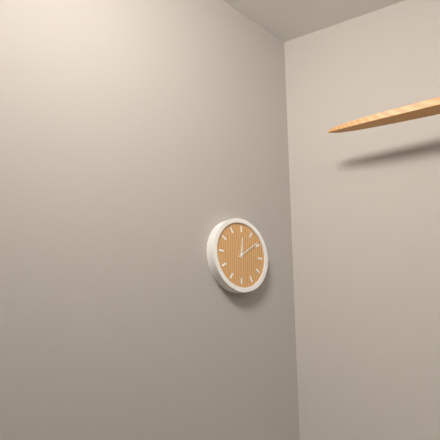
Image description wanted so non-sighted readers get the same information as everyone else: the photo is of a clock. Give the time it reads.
12:09
